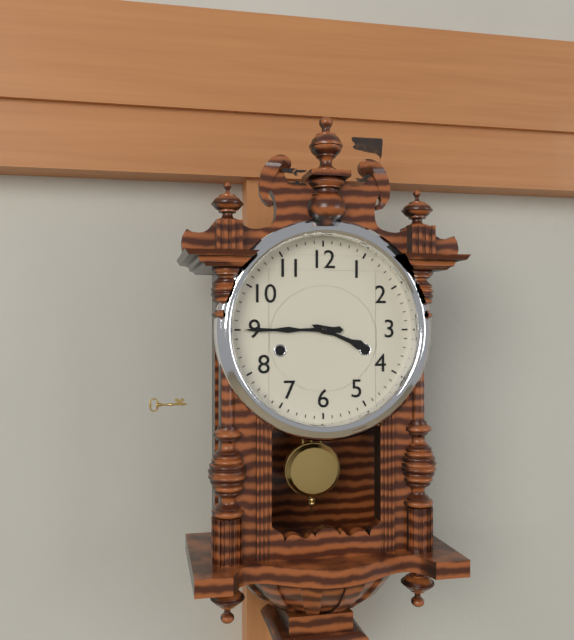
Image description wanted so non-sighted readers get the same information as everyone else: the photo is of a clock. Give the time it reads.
3:45
